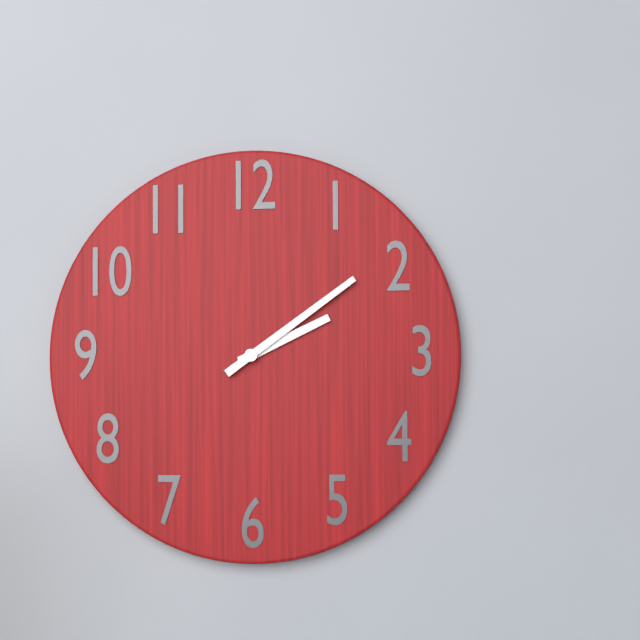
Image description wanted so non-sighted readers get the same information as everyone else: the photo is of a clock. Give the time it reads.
2:09
